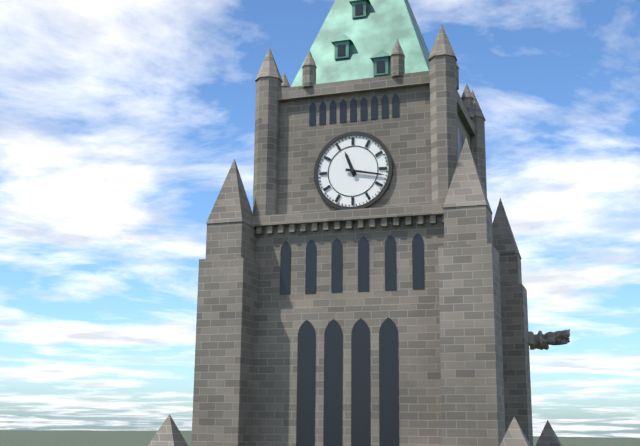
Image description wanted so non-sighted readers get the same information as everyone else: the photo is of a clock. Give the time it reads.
11:17
